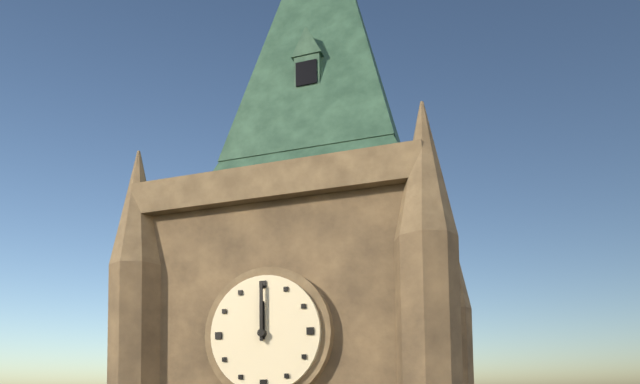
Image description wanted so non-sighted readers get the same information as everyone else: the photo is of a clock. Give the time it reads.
12:00
